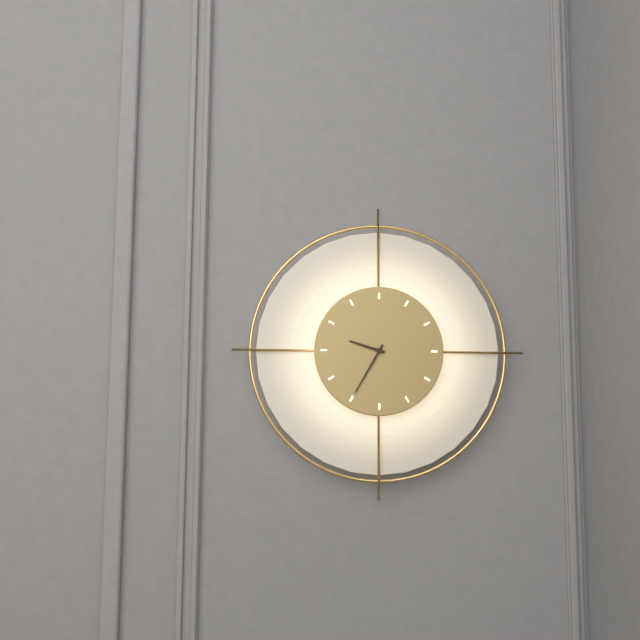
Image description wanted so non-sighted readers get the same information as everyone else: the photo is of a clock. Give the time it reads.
9:35
